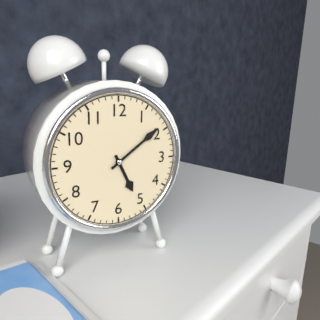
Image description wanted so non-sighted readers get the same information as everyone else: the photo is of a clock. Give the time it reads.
5:09
